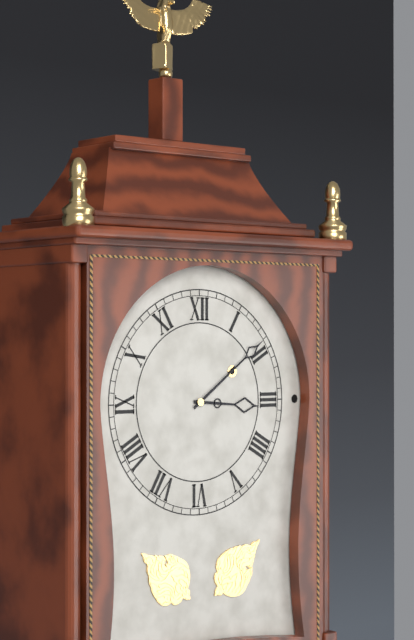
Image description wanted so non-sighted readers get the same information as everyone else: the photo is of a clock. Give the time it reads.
3:09
